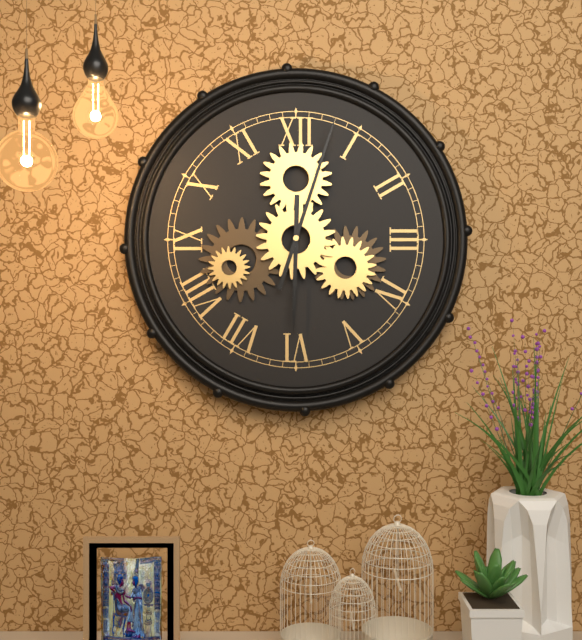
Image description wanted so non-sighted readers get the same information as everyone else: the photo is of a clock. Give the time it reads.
6:03
